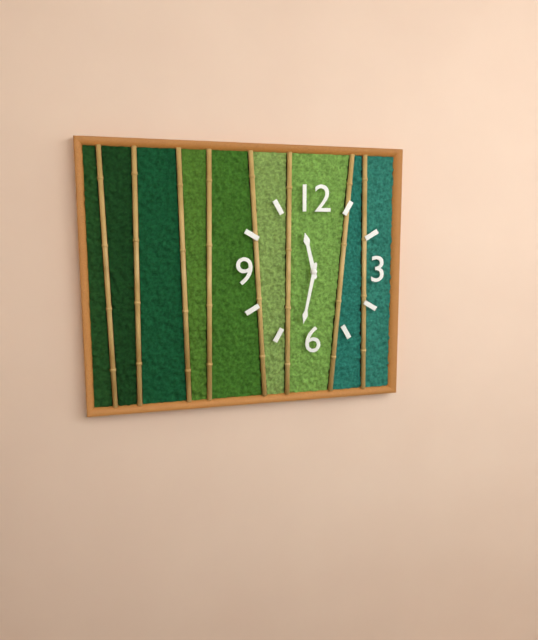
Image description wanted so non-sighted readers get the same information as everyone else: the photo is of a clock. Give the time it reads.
11:32
